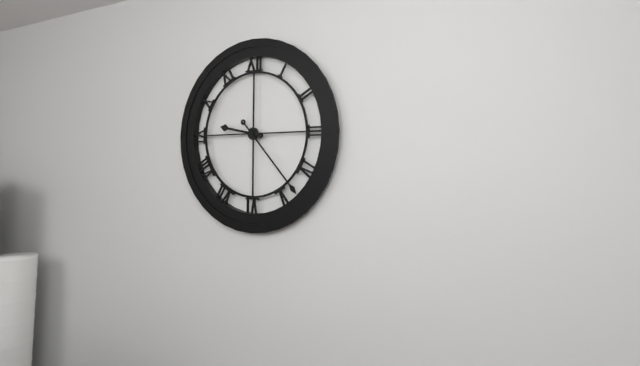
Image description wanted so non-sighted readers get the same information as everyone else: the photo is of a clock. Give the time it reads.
9:23
